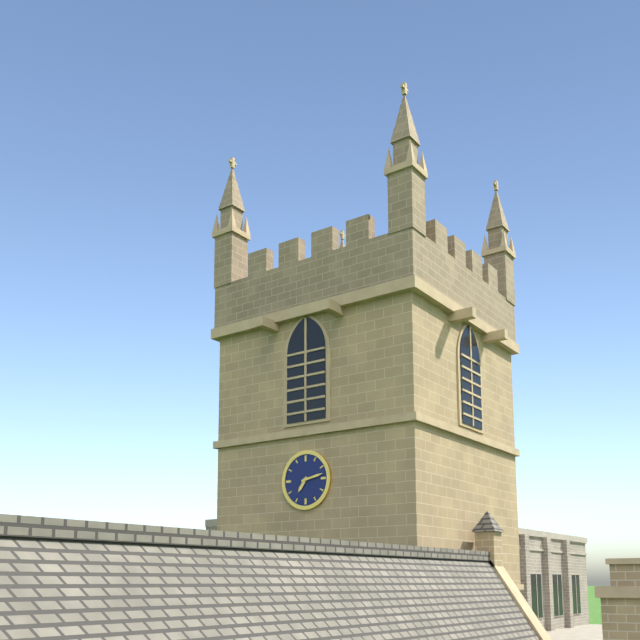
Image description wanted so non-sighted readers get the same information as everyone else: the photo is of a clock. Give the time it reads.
7:13
